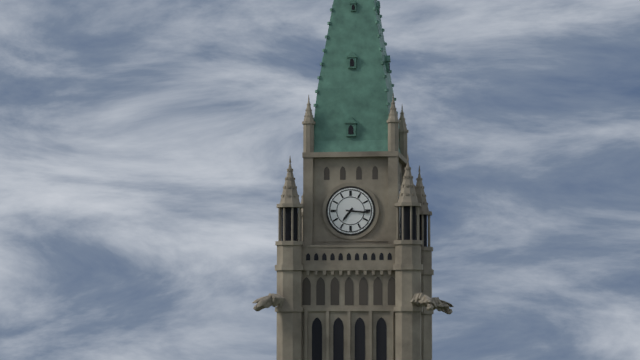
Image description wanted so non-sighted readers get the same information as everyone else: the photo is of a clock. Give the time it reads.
7:16
